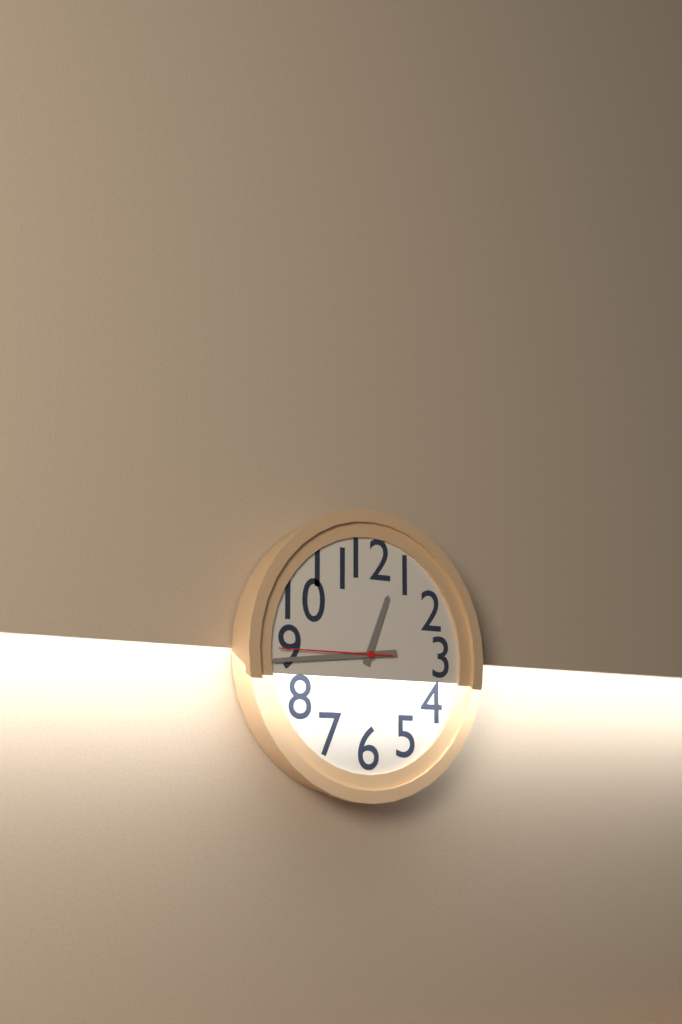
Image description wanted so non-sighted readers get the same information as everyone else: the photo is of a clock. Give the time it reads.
12:44:45
